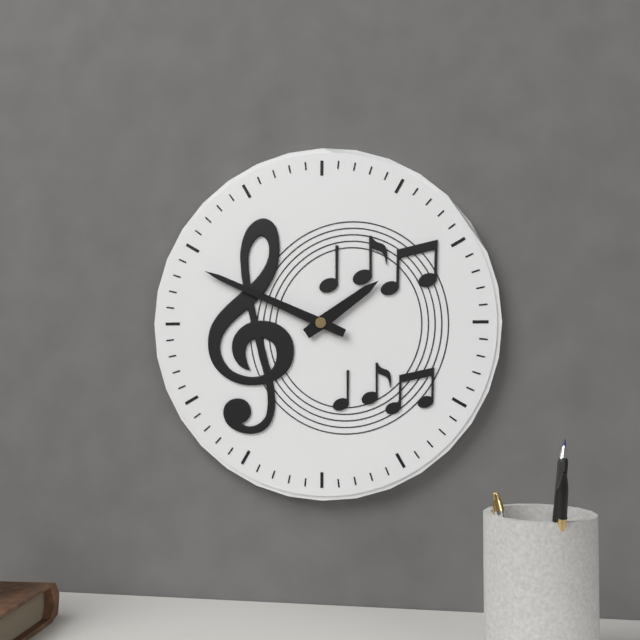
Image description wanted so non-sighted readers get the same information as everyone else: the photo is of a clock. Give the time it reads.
1:49
